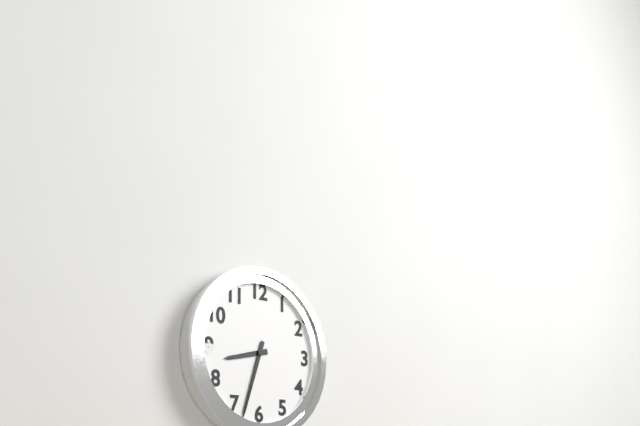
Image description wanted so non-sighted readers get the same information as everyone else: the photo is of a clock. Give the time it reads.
8:33
